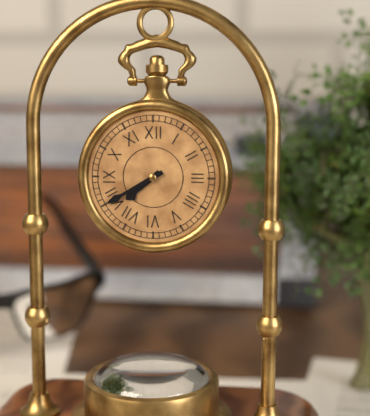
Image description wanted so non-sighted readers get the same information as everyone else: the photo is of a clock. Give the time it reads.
7:40
